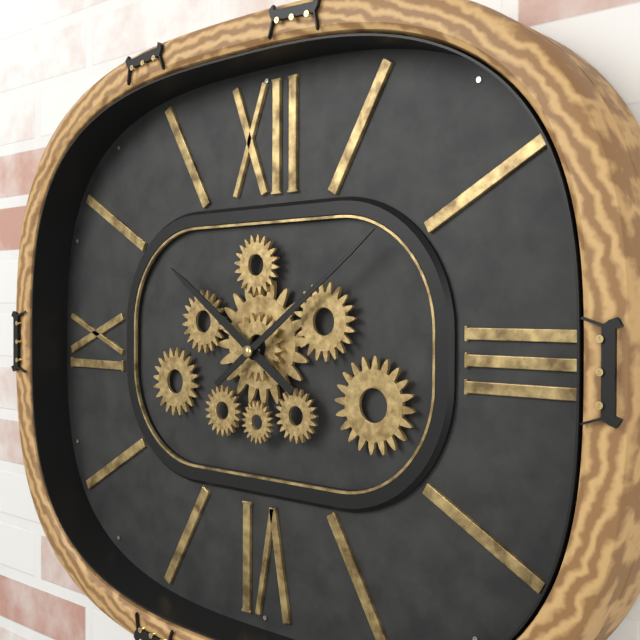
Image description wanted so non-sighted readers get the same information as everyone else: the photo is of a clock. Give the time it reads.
10:09
